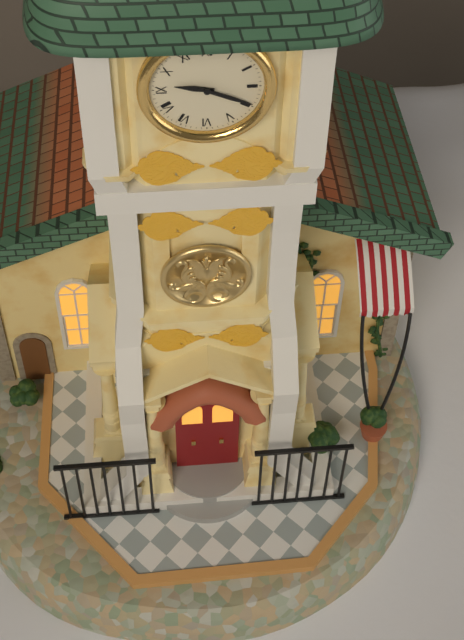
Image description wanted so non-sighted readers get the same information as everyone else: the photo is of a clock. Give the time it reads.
9:19
